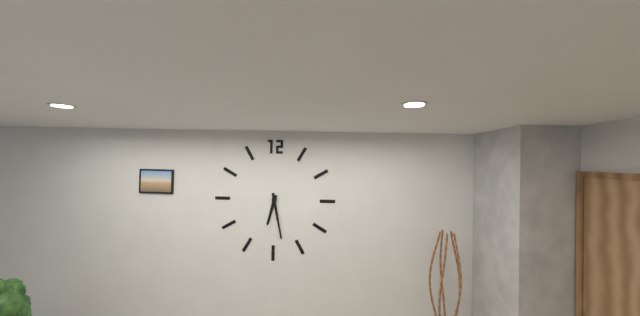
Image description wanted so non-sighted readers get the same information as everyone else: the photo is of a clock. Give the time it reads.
6:28
